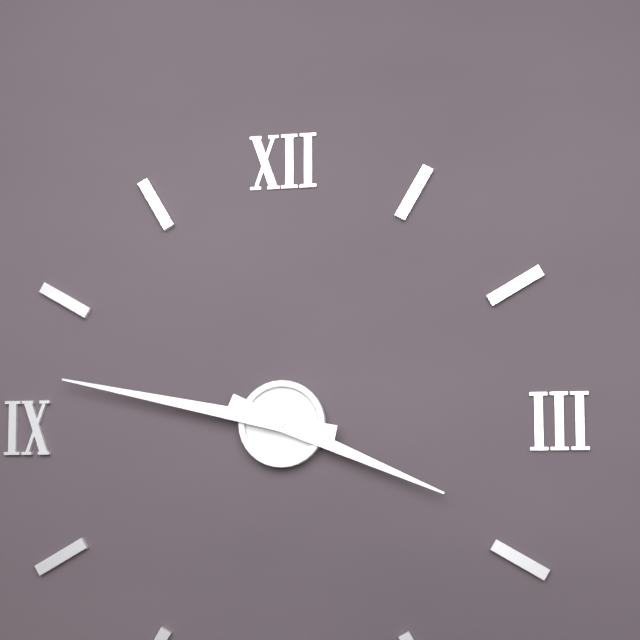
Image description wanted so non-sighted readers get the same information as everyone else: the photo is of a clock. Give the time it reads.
3:47
